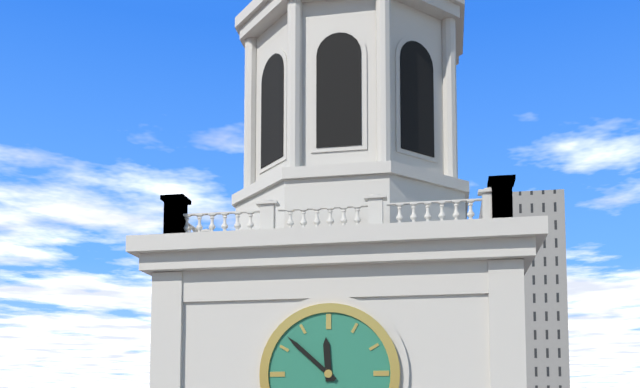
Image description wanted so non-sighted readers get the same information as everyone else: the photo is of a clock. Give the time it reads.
11:52
